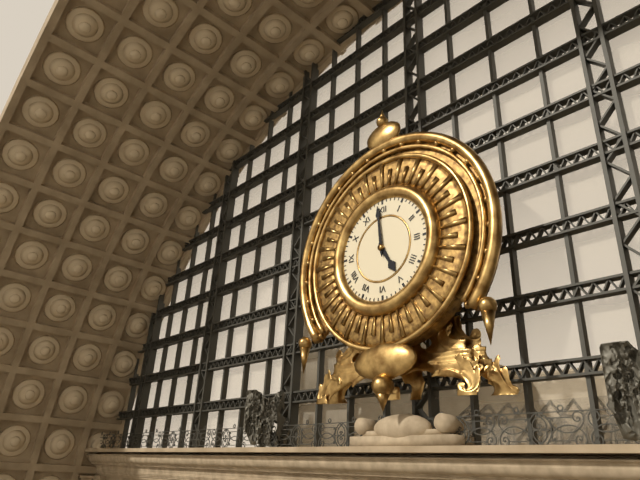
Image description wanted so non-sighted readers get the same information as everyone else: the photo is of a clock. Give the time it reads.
4:59
